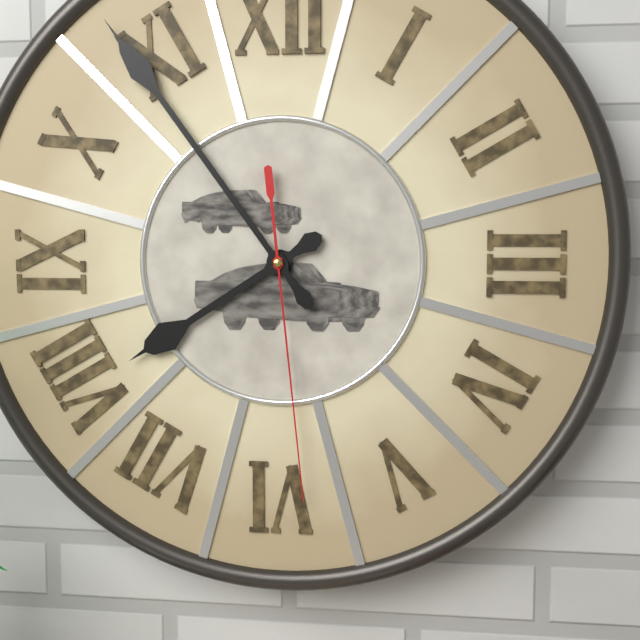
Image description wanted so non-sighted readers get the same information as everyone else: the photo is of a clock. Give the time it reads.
7:54:29
